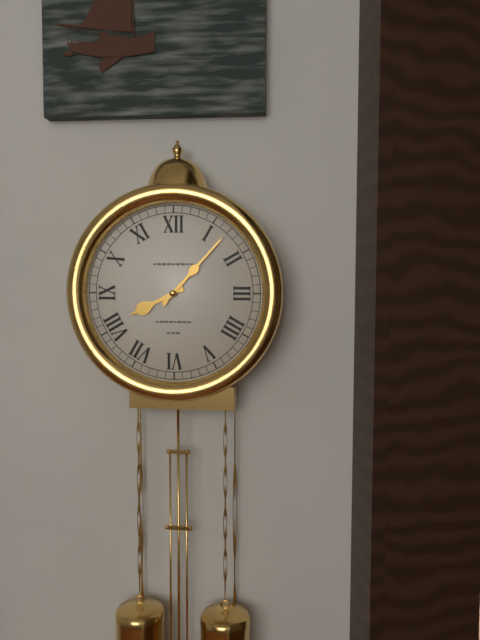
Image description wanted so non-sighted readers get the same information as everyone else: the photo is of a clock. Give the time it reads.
8:07
